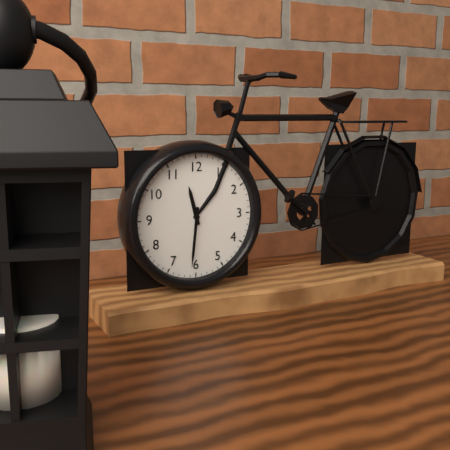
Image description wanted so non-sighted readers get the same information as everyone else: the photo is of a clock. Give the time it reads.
11:31
